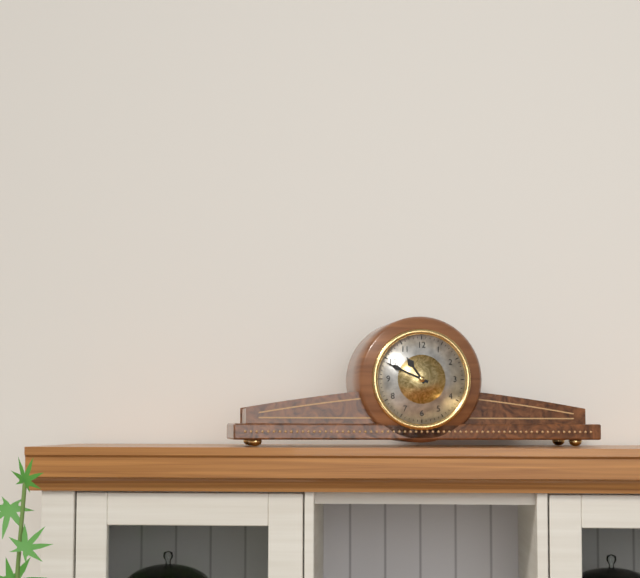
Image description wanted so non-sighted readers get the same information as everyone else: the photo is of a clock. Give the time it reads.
10:49
